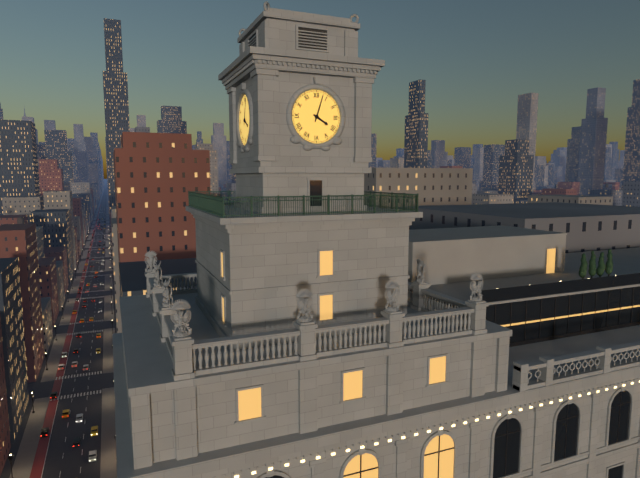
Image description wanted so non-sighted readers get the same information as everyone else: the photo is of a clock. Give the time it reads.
4:03
